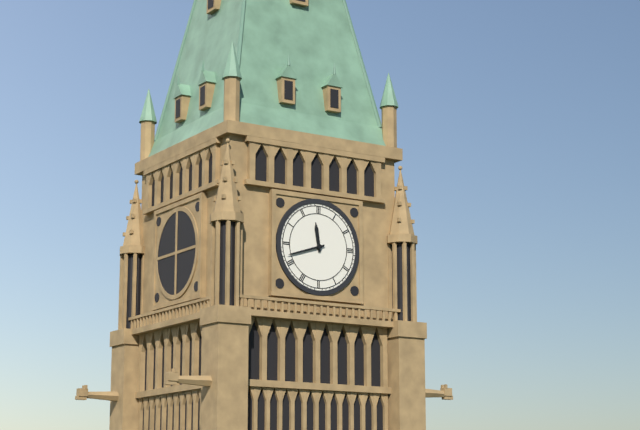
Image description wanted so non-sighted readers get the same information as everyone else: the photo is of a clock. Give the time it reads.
11:42
